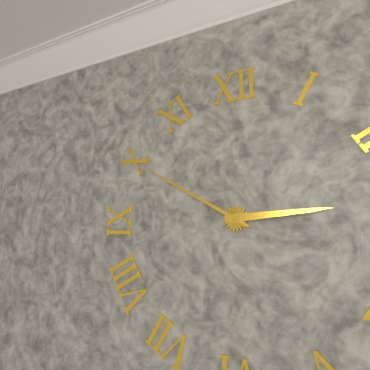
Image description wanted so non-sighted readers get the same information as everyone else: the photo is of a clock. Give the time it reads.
2:50
